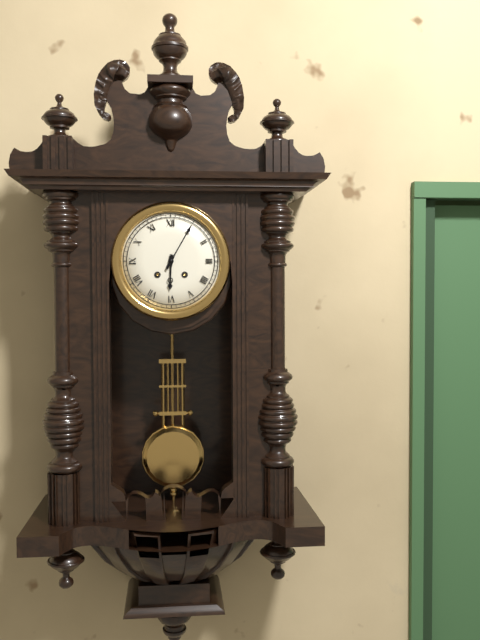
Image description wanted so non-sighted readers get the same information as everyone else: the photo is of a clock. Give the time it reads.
6:05
